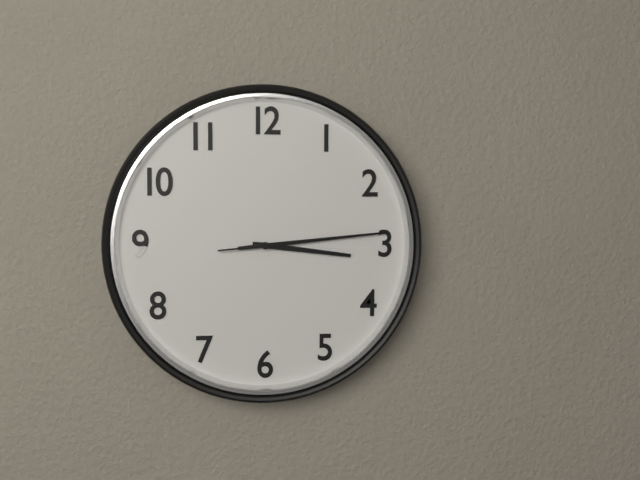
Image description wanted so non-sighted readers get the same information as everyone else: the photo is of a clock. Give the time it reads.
3:14:14
